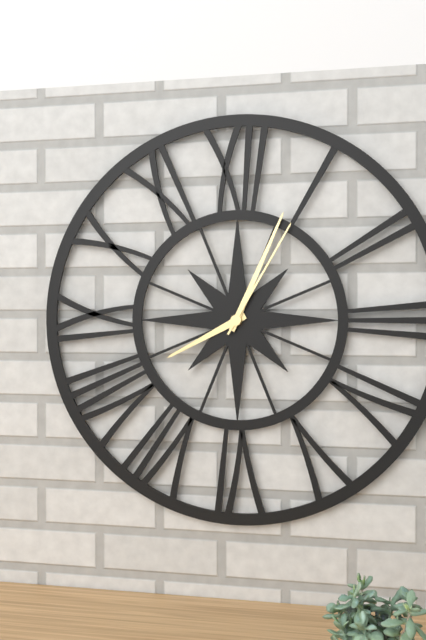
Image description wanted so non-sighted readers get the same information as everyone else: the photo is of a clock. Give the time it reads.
8:04:05
